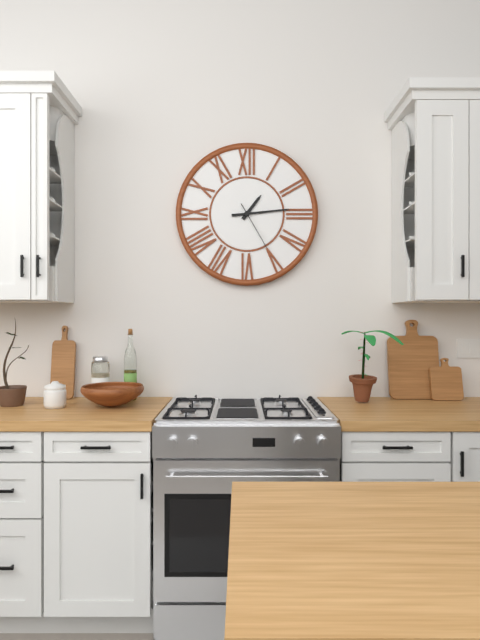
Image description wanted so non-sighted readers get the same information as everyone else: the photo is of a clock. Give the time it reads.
1:14
